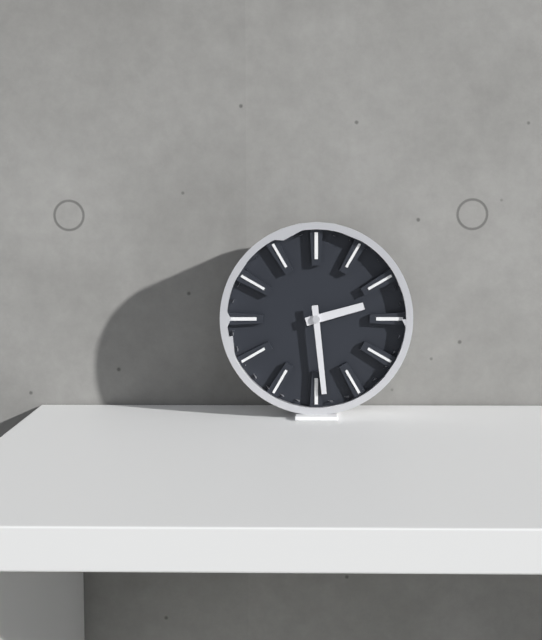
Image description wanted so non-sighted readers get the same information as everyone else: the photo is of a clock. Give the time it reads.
2:29
